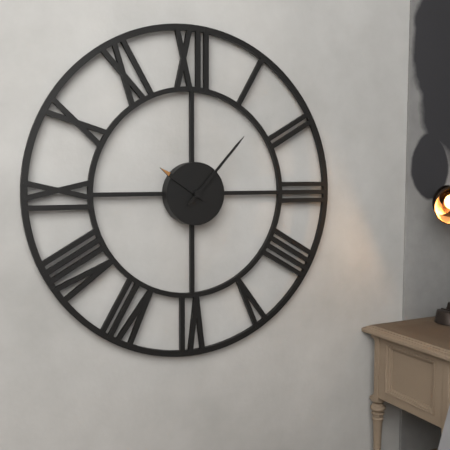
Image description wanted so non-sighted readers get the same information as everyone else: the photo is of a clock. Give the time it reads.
10:07
